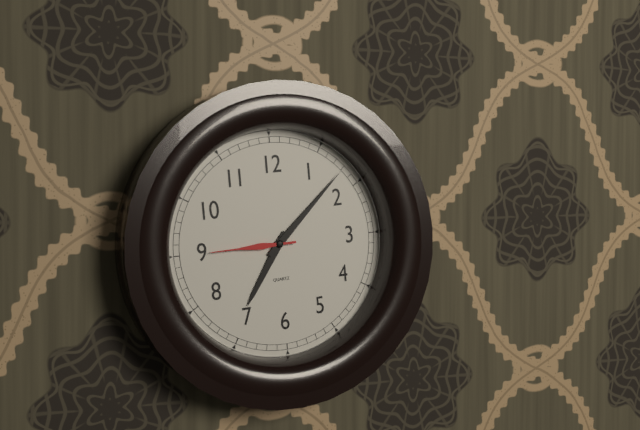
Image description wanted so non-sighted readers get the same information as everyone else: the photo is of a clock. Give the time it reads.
7:08:45
